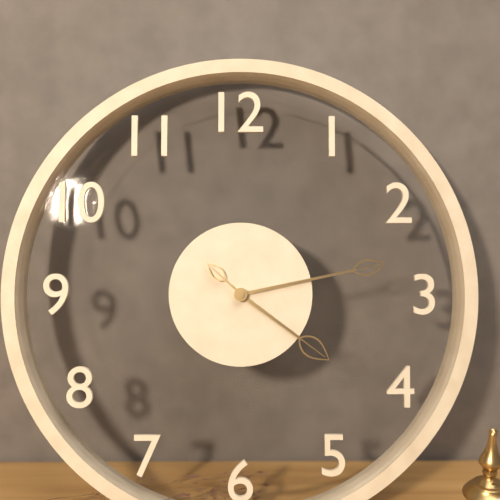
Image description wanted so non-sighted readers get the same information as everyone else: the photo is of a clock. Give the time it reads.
4:13:52
